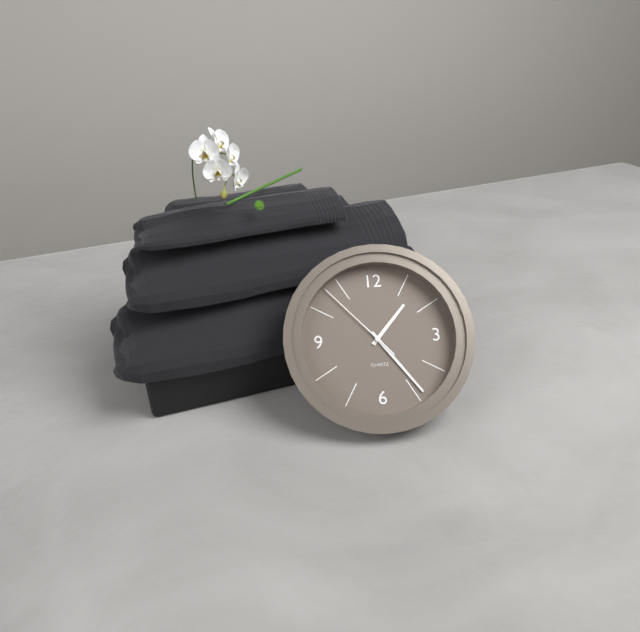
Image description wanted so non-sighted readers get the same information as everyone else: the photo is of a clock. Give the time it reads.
1:24:53
